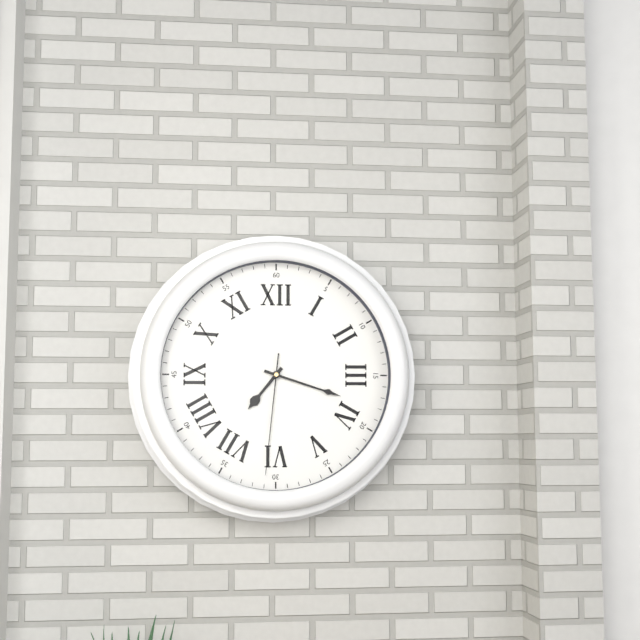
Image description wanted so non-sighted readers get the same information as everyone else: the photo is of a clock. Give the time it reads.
7:18:31
